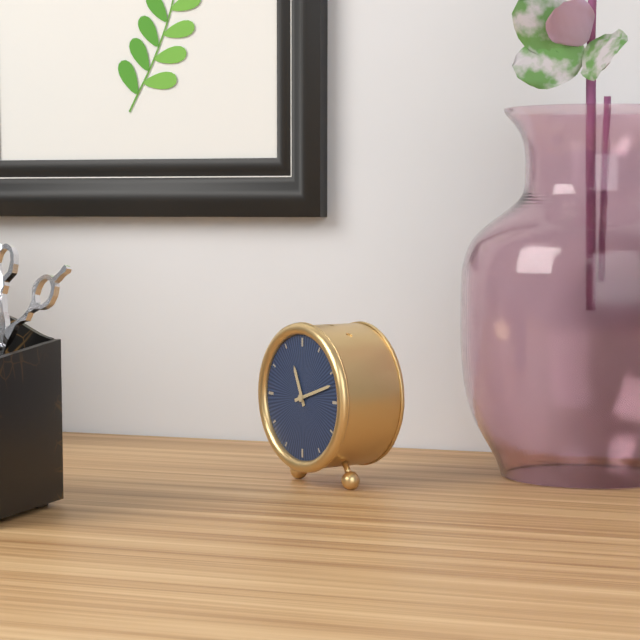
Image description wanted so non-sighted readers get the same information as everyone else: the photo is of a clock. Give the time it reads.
11:12
